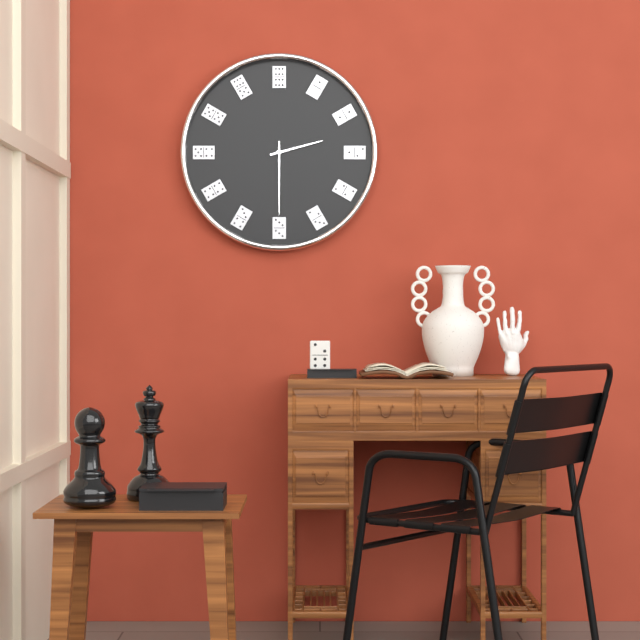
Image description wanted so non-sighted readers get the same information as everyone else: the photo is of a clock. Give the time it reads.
2:30
